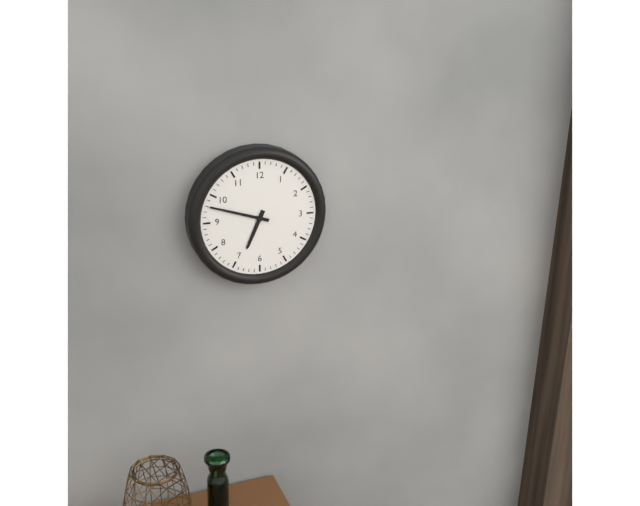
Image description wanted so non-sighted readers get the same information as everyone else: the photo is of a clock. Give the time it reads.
6:48
